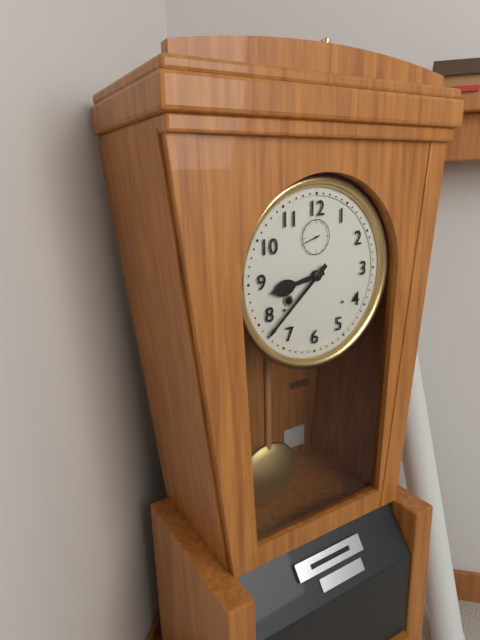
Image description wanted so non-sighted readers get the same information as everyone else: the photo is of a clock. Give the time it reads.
8:38
